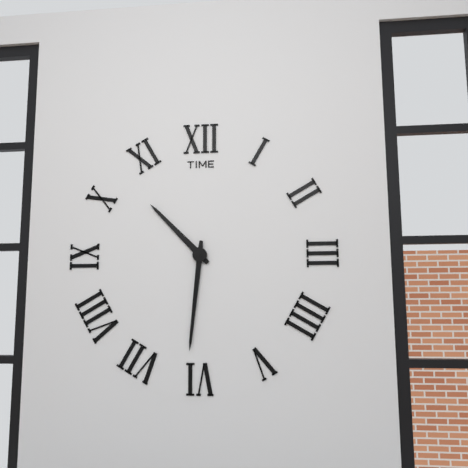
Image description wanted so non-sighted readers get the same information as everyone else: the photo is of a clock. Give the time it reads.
10:31
